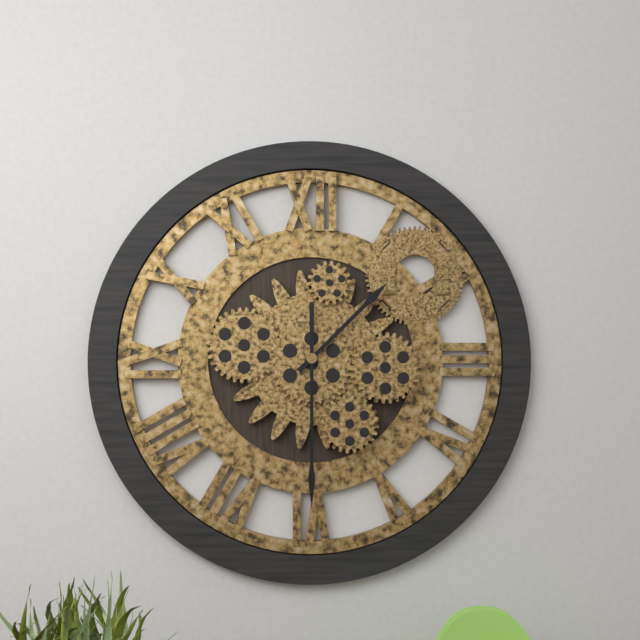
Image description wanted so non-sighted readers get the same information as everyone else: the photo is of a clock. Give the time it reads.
1:30
